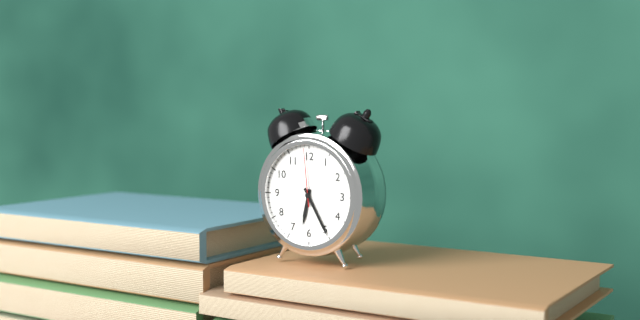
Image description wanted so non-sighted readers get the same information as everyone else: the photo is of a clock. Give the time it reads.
6:25:59
